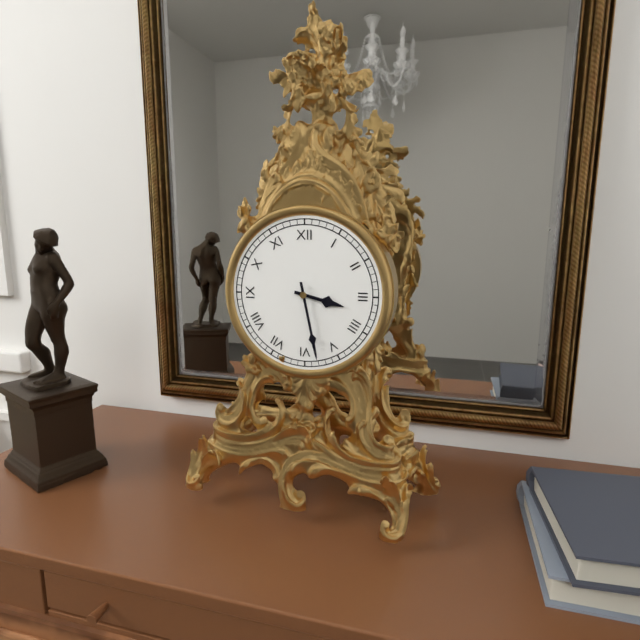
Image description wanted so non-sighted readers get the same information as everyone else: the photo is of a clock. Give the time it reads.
3:28
